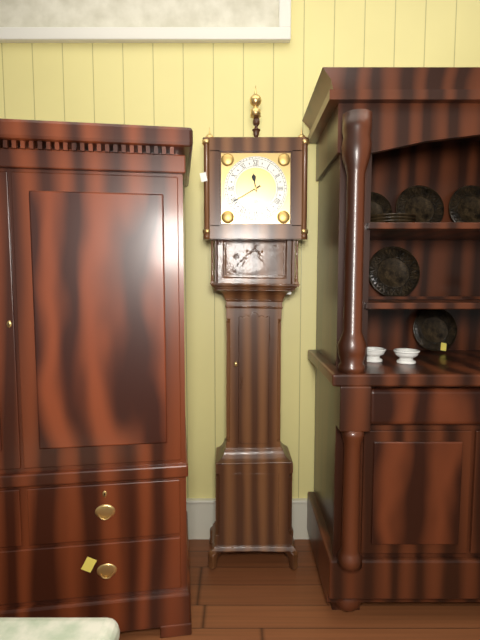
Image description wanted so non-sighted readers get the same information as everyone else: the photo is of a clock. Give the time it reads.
11:40
